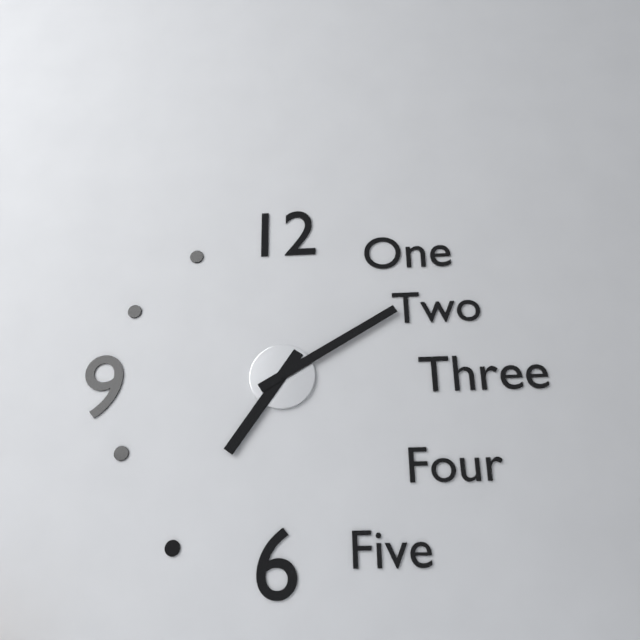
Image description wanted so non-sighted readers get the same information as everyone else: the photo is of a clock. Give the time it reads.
7:10
